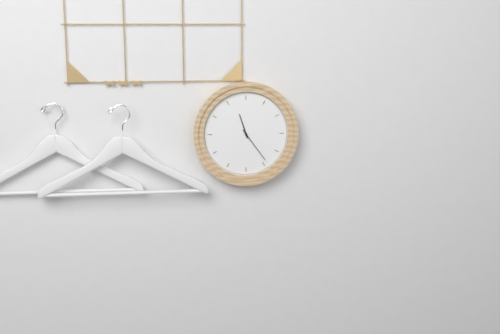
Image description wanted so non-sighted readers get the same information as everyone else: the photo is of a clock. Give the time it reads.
11:24
